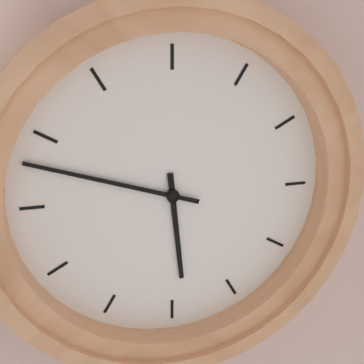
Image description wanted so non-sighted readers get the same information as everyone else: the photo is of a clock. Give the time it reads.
5:48
